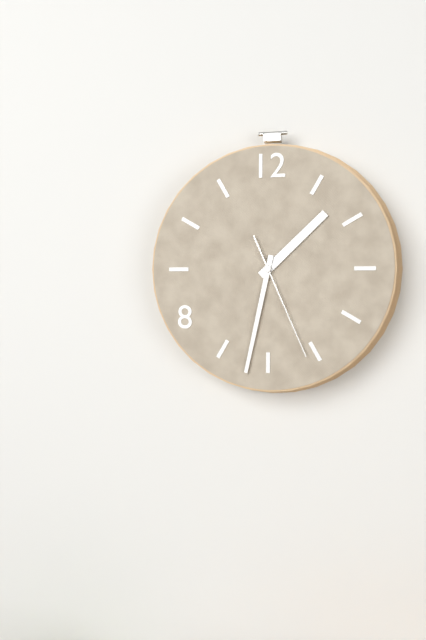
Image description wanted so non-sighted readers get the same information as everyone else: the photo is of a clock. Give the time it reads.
1:32:26
